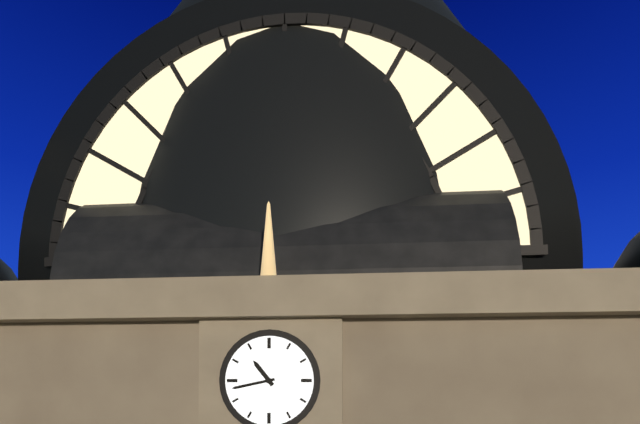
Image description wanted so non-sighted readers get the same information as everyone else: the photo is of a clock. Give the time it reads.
10:43
